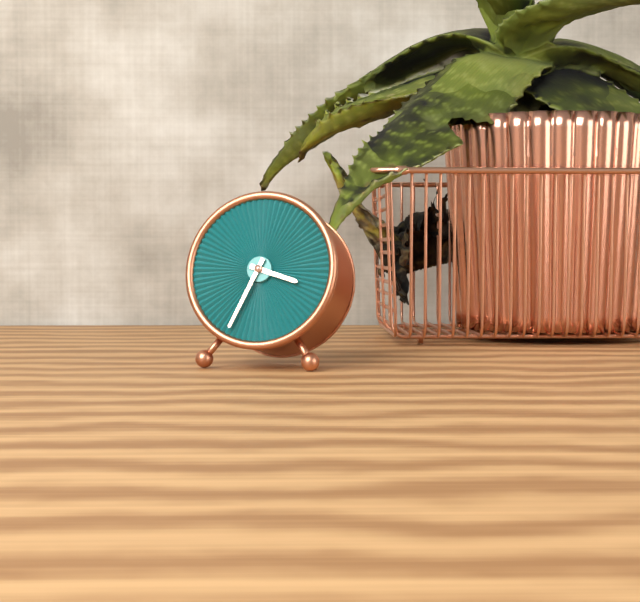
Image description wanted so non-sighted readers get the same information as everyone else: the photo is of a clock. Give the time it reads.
3:34
